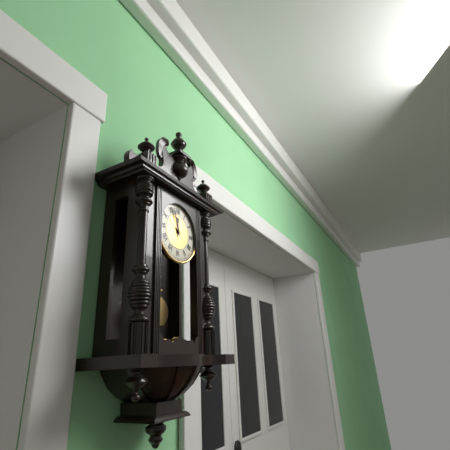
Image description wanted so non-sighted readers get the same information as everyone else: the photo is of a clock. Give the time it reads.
11:57
